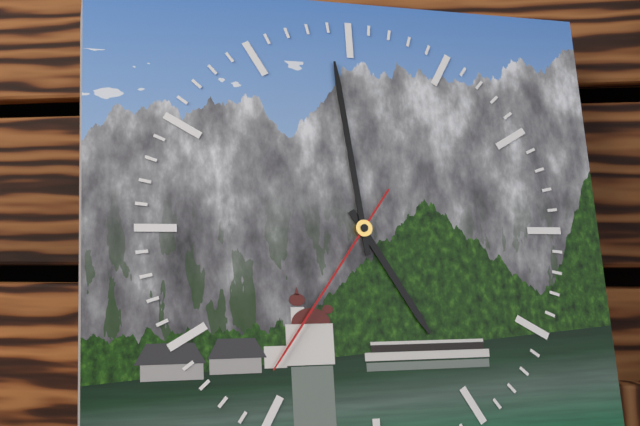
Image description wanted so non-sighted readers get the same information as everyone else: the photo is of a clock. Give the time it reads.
4:59:36
